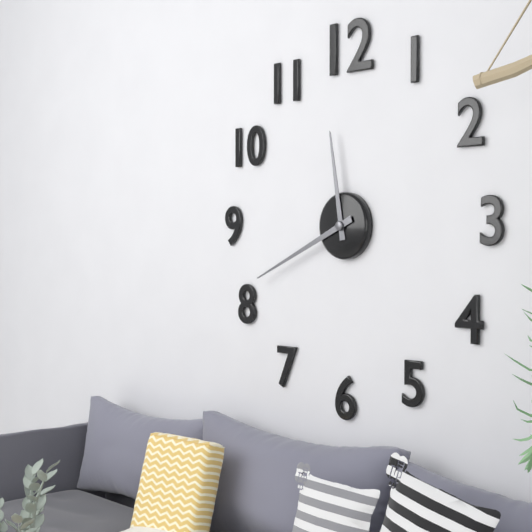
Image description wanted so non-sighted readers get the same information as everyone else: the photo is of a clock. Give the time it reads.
11:41
